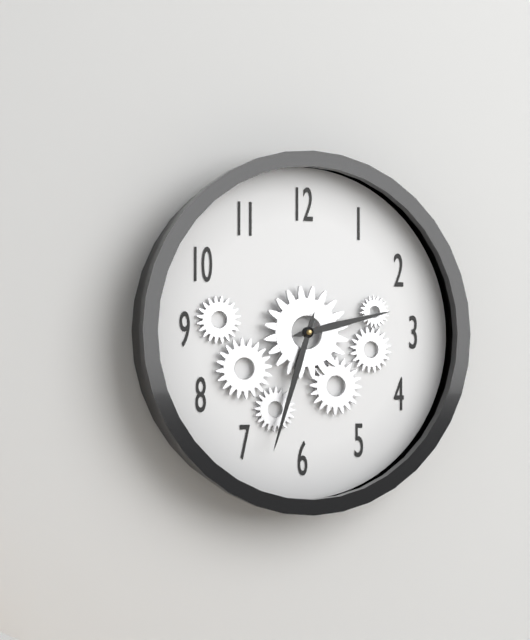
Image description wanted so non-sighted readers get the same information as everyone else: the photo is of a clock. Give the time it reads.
2:33
